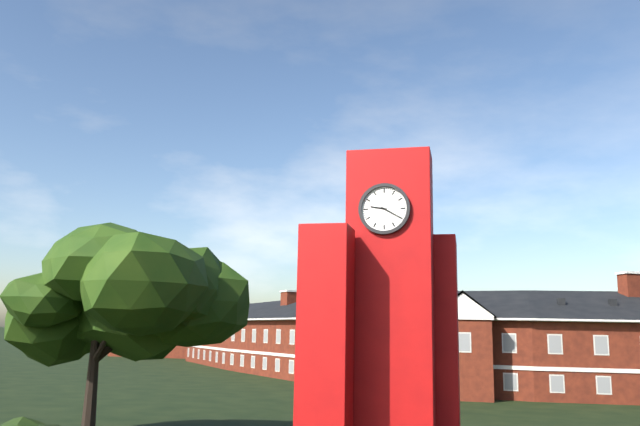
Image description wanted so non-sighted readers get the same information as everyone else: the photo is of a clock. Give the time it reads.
9:20
